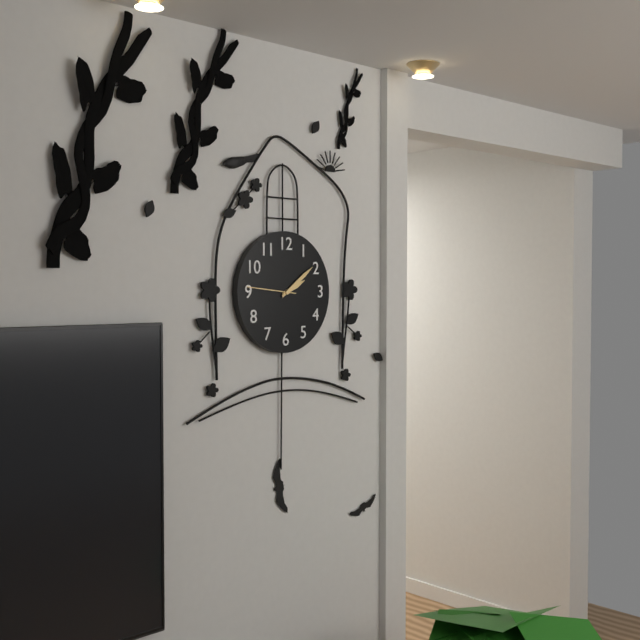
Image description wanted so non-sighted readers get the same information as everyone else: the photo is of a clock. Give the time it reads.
2:09
